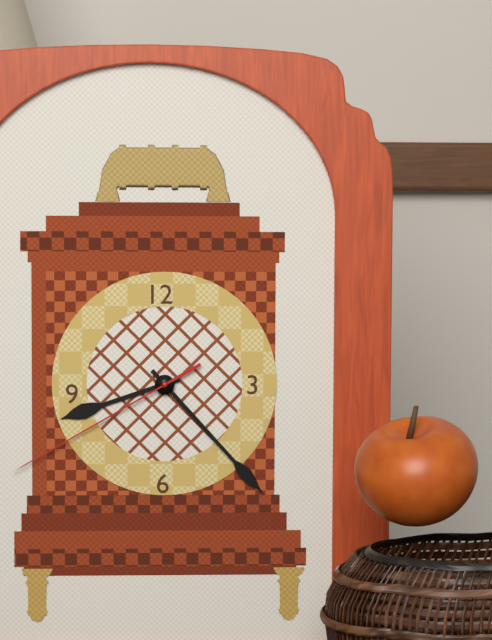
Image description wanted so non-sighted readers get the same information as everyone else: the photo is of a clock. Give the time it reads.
8:23:40
